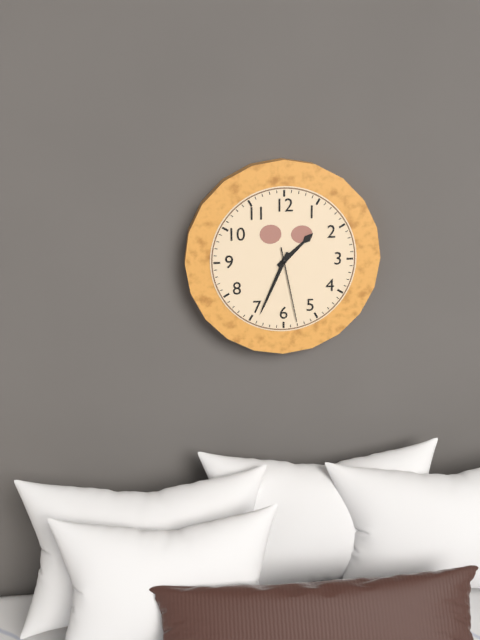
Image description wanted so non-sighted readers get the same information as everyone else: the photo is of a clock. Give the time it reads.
1:34:28
